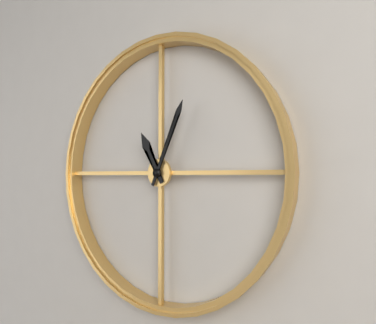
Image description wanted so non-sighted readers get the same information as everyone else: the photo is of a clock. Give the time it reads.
11:04
